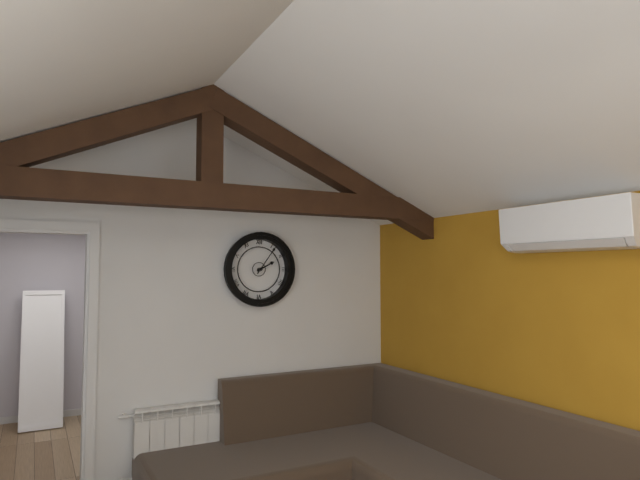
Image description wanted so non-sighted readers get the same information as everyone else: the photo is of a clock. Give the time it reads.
2:06
